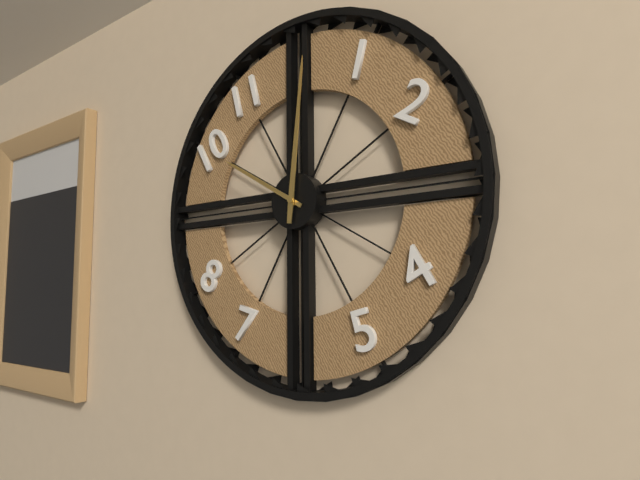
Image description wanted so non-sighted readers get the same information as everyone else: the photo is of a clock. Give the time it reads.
10:01
